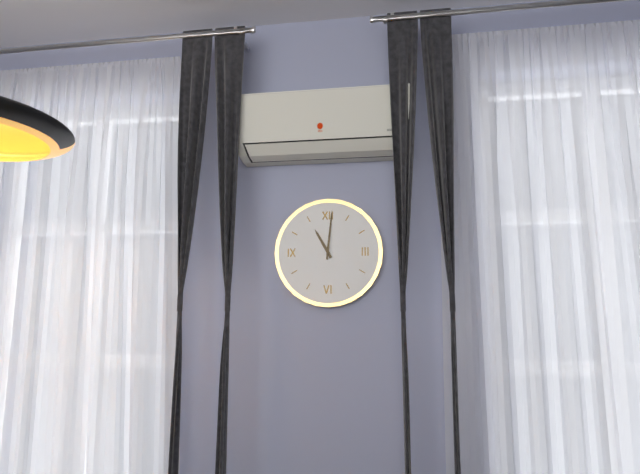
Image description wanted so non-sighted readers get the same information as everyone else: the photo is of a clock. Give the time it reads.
11:01
